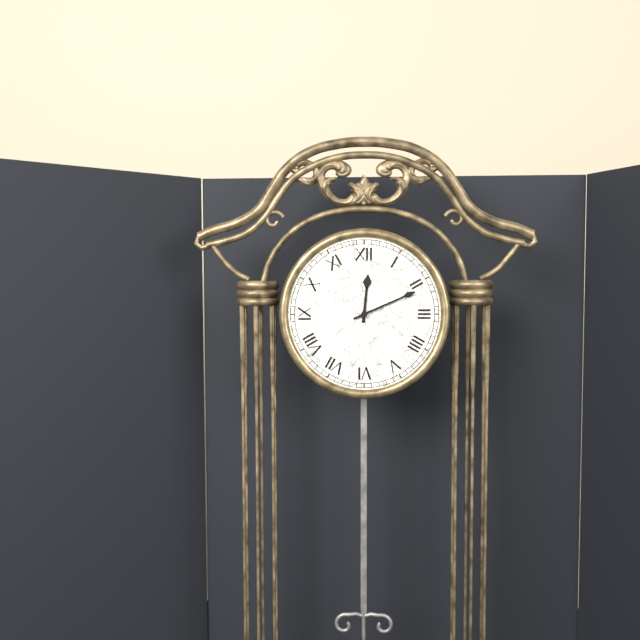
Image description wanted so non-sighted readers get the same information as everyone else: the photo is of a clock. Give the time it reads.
12:11
